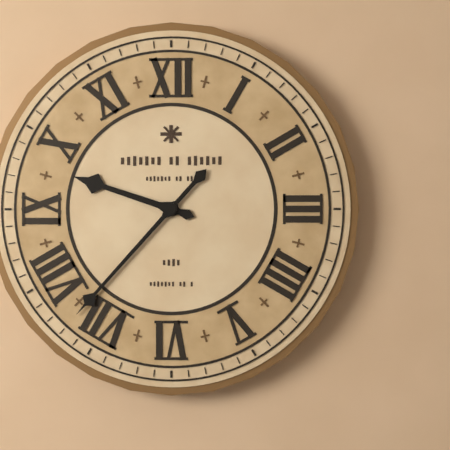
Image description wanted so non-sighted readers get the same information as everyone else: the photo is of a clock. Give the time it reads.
9:37
